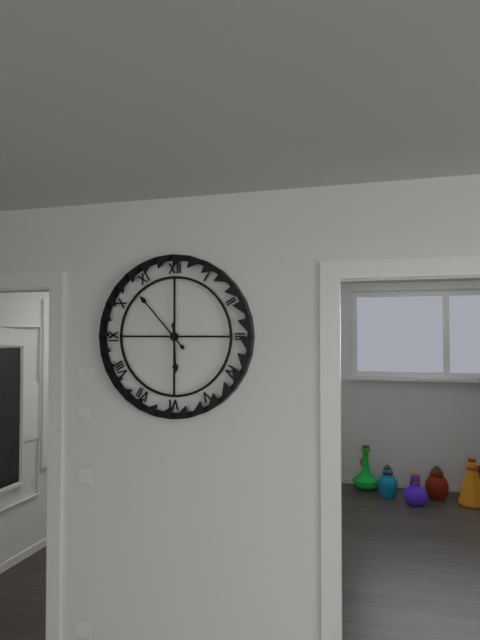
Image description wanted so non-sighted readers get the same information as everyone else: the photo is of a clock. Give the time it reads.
5:53
